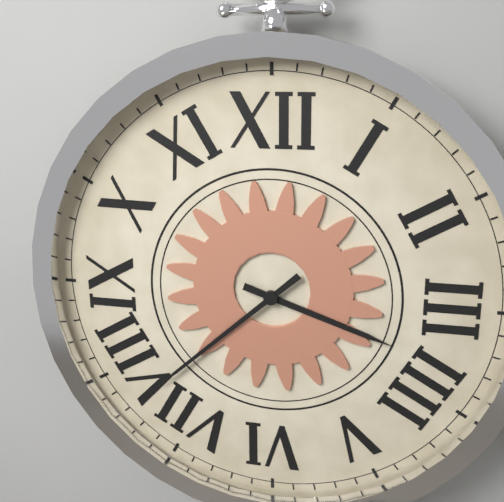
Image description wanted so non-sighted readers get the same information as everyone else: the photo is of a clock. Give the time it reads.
3:38
